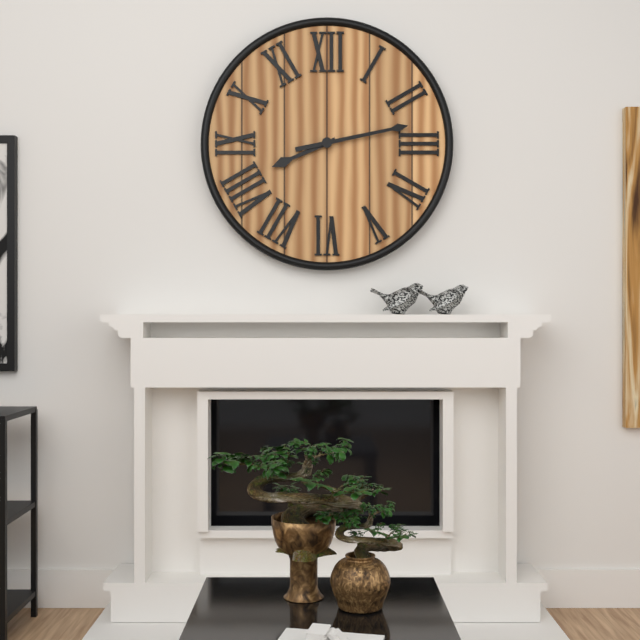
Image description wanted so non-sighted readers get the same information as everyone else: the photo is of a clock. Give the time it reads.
8:13
